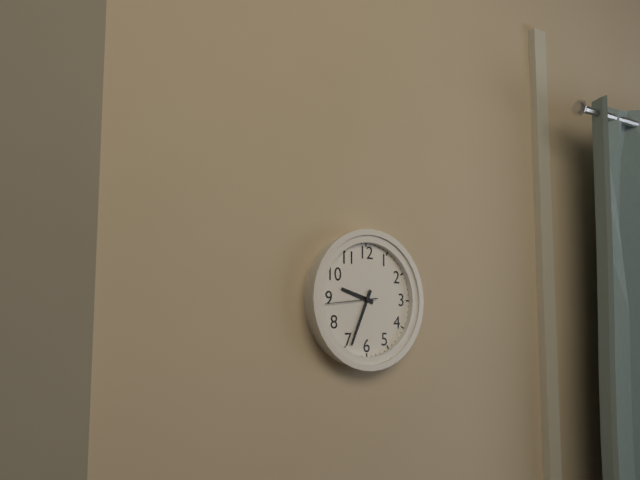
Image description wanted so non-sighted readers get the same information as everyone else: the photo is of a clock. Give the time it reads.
9:34:44
